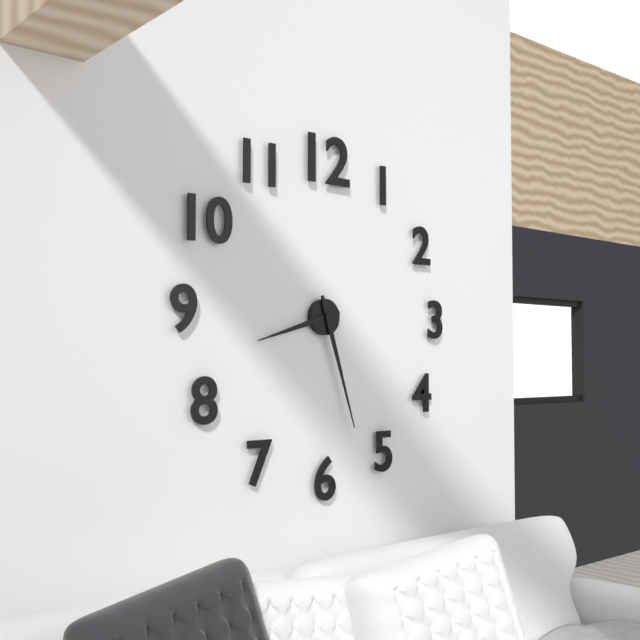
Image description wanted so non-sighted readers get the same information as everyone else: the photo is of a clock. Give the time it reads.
8:27
